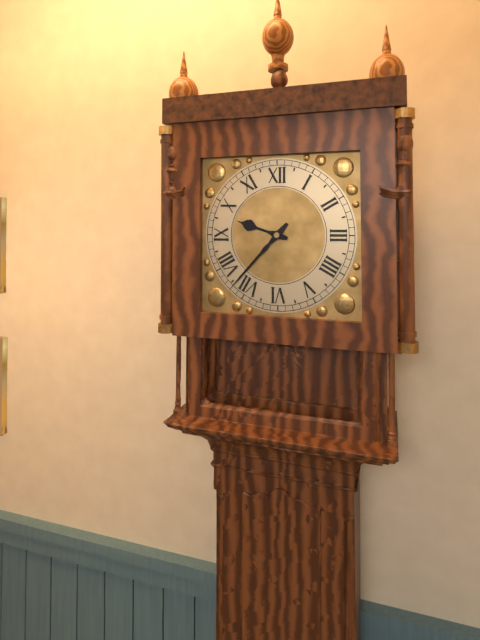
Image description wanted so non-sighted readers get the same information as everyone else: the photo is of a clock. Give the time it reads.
9:37
